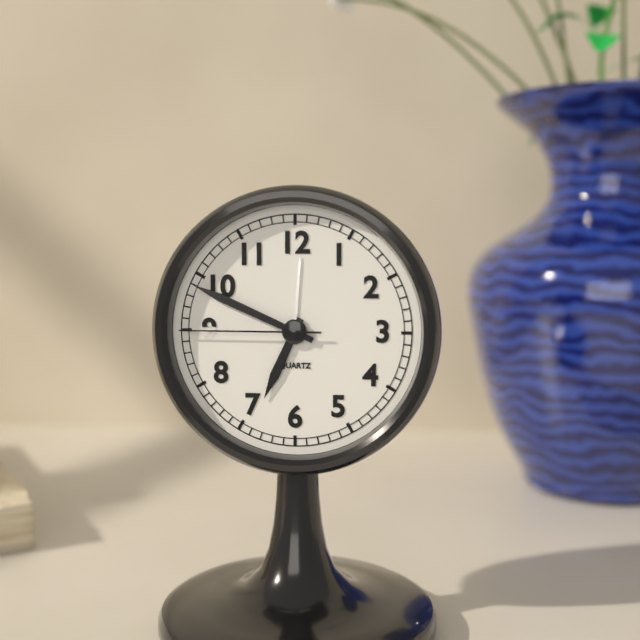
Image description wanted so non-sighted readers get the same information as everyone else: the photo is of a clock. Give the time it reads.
6:49:45
